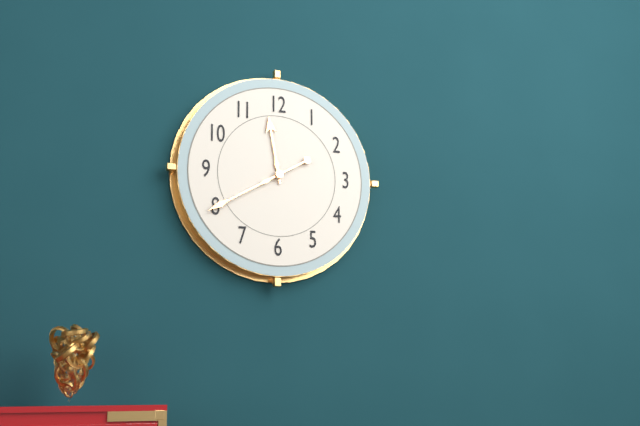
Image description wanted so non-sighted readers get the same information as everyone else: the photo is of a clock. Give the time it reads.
11:40
